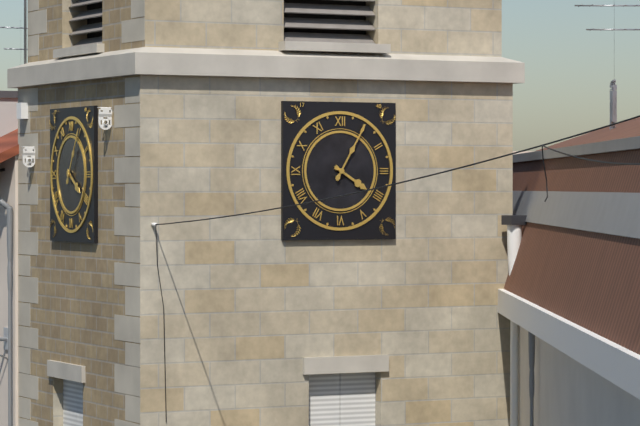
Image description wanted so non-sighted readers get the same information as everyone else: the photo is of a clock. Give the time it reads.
4:05
